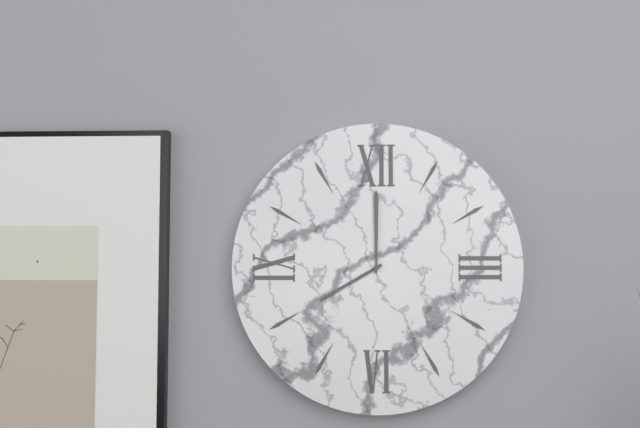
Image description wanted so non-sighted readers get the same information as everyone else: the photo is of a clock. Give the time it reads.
8:00
